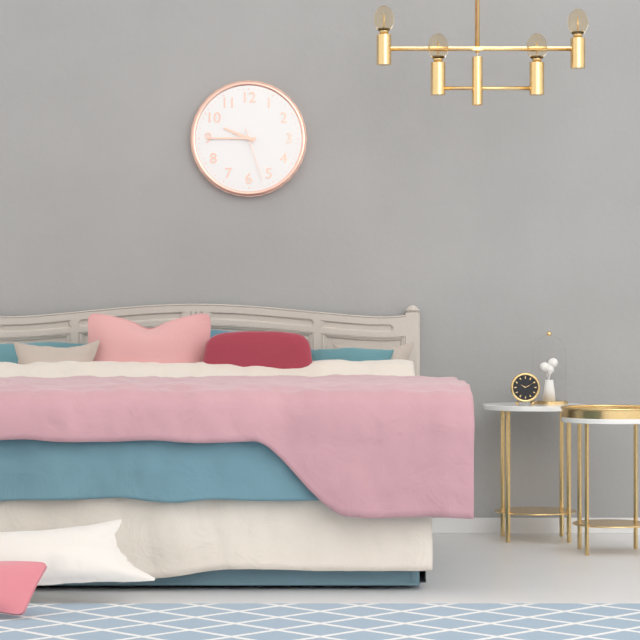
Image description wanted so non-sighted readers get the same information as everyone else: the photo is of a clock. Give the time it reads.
9:45:27
